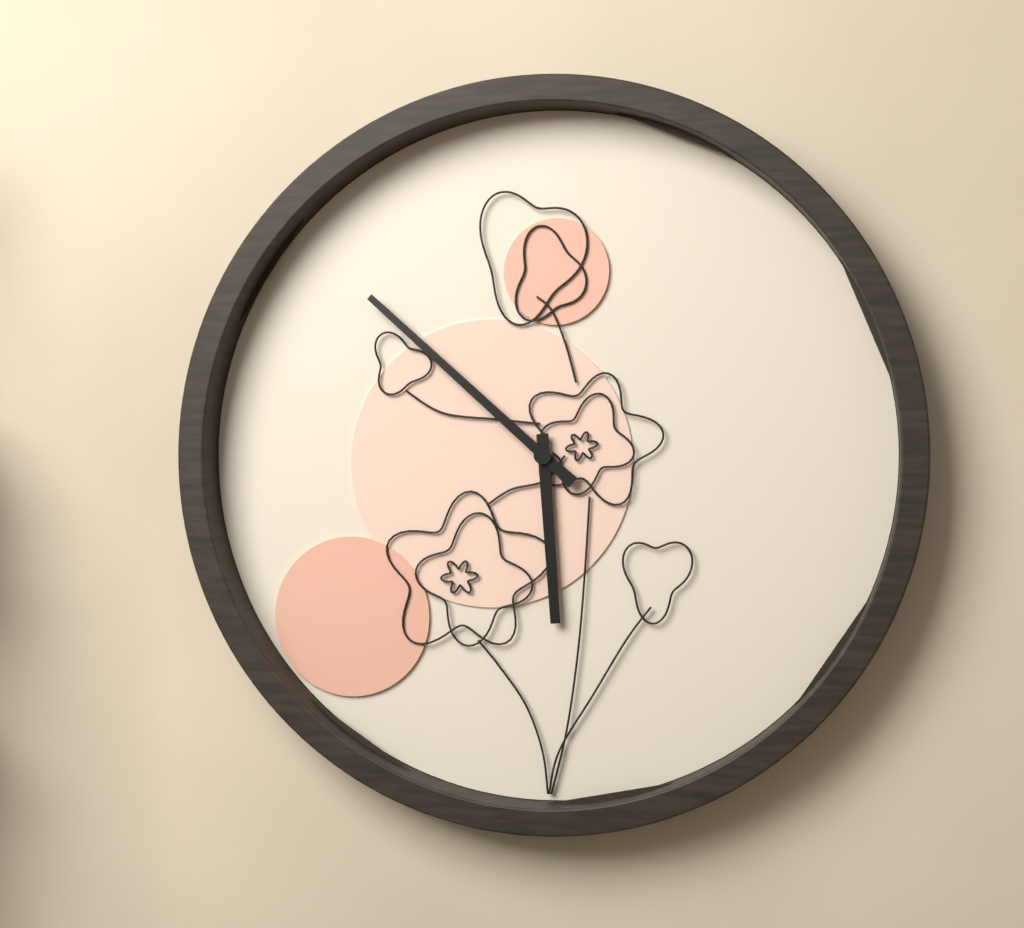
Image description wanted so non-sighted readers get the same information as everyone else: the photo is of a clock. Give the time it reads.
5:52
